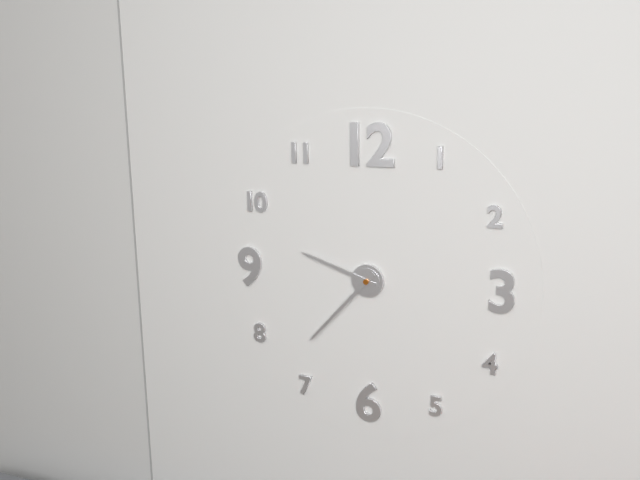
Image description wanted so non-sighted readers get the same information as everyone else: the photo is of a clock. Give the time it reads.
9:37
